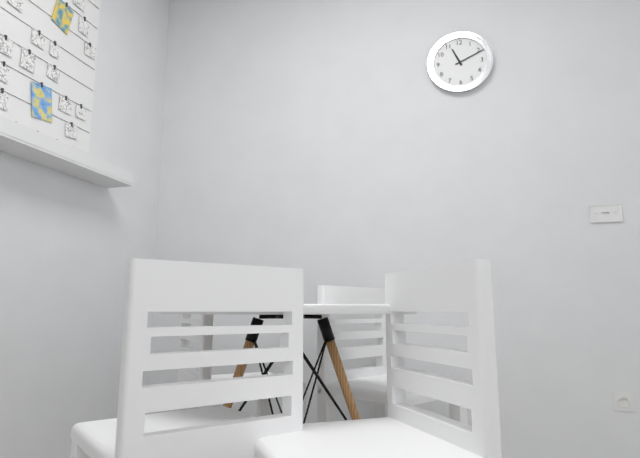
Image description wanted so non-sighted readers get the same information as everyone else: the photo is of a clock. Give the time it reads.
11:11
